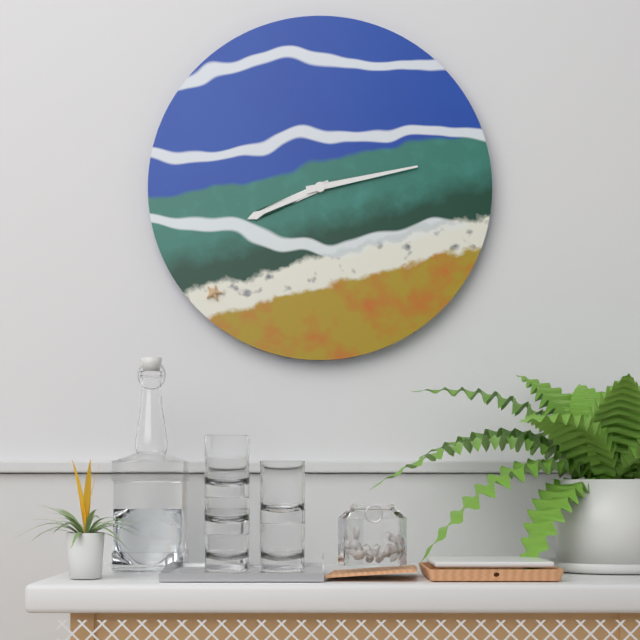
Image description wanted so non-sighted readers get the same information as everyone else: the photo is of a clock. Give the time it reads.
8:13
